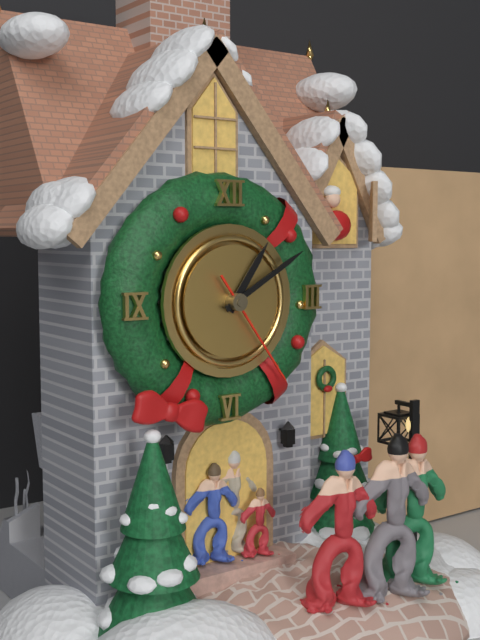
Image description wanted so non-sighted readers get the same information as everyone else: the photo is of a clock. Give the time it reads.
1:10:24
